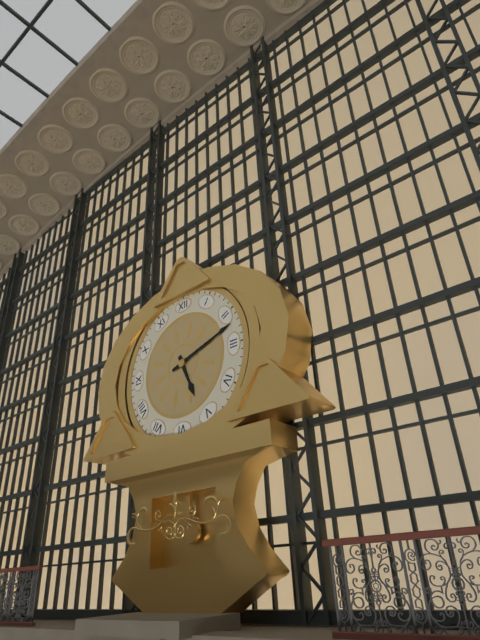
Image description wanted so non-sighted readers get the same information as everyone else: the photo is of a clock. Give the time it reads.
5:12
